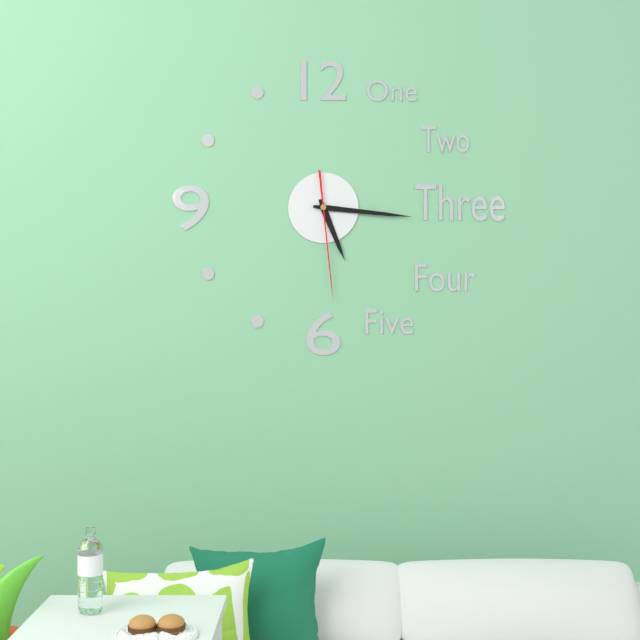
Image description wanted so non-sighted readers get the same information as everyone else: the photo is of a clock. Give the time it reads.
5:16:29
